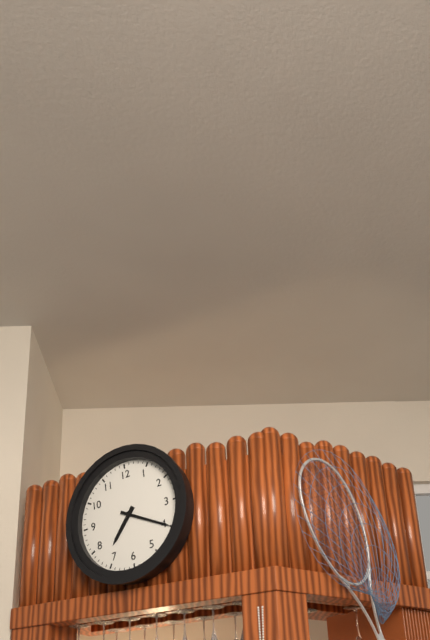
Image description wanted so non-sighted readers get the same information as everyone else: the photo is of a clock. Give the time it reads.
7:20
